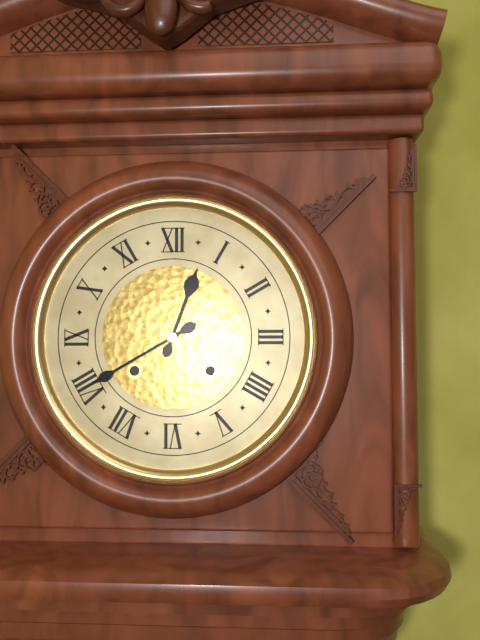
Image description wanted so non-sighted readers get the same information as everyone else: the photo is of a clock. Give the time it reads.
12:40
